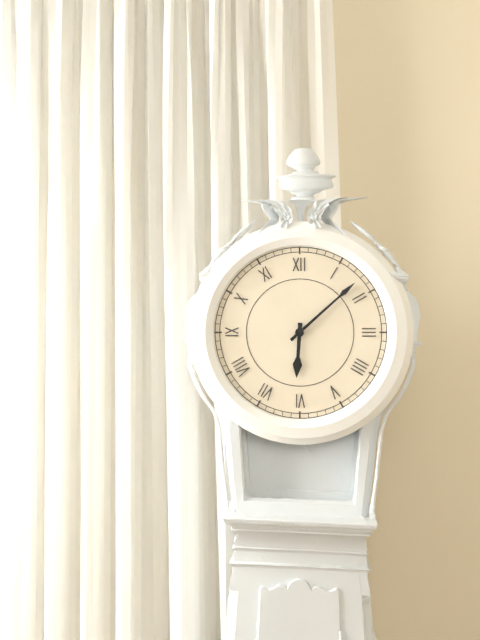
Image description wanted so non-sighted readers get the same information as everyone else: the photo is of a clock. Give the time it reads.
6:08
